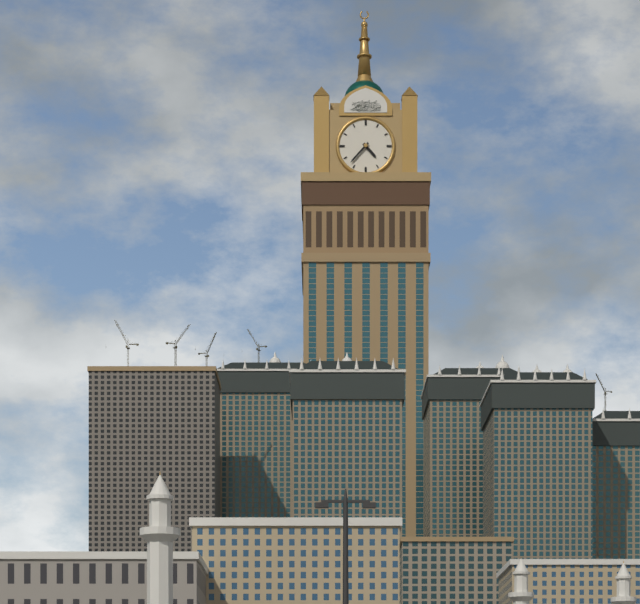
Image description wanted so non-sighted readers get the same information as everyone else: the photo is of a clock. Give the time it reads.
4:37
